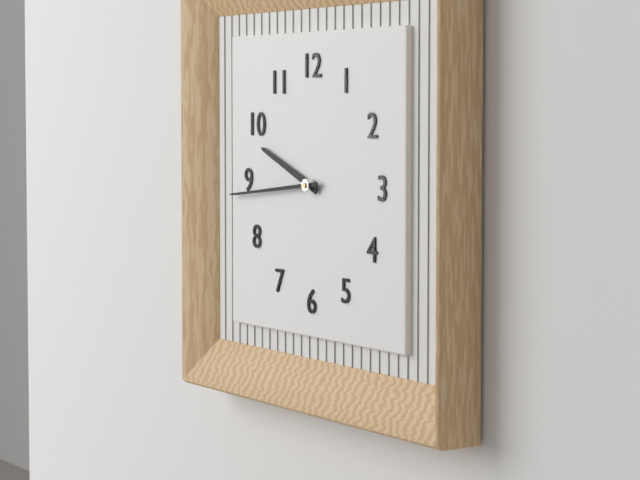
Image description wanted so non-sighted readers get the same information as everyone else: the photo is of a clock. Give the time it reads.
9:44
